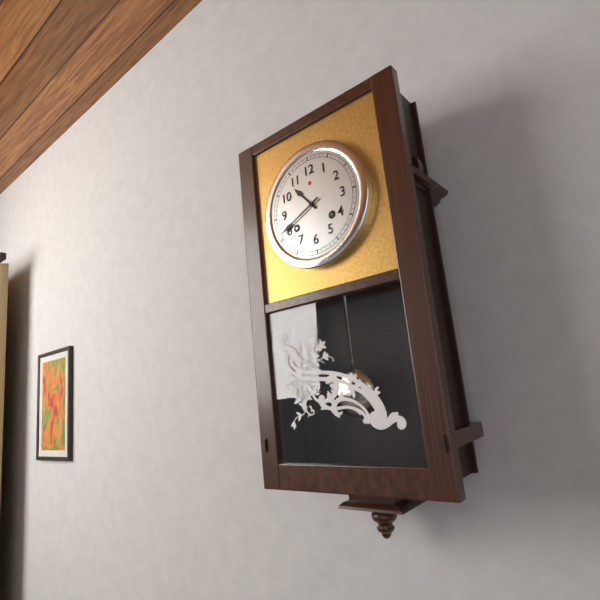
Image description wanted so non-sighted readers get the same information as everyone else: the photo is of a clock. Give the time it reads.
10:41
